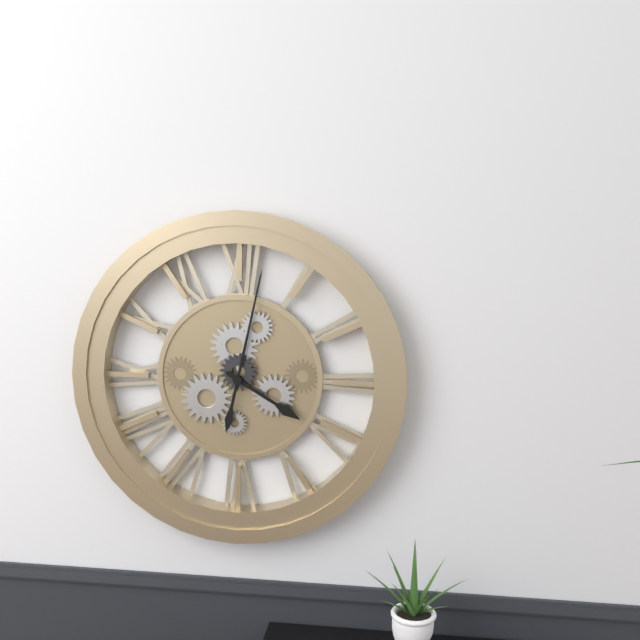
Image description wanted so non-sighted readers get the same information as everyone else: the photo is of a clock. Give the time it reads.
4:02
